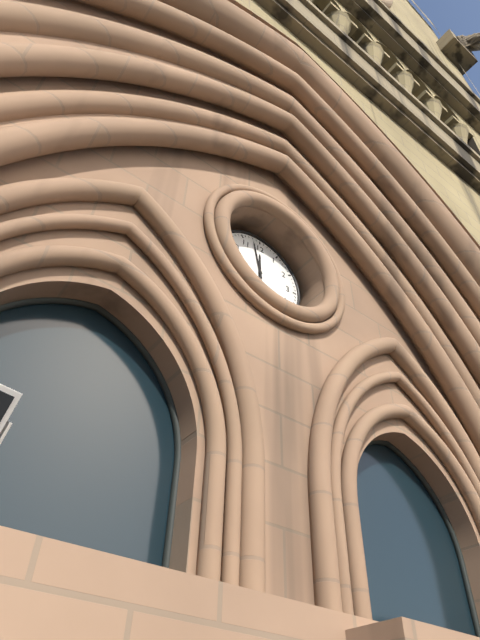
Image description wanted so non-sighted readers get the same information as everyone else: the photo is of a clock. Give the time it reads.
11:58
